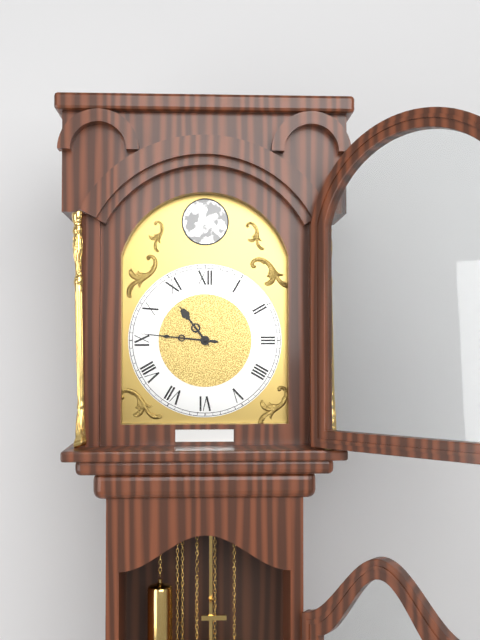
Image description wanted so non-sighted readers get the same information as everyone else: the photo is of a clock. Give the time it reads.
10:46
